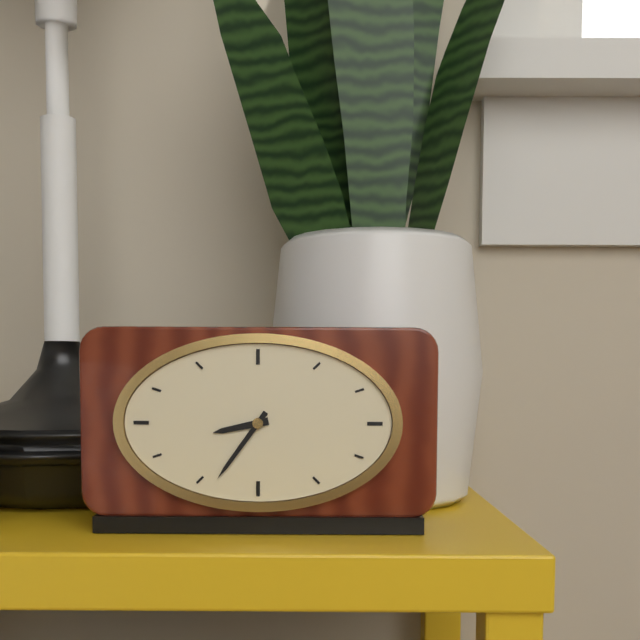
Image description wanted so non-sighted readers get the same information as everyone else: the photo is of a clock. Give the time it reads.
8:36
